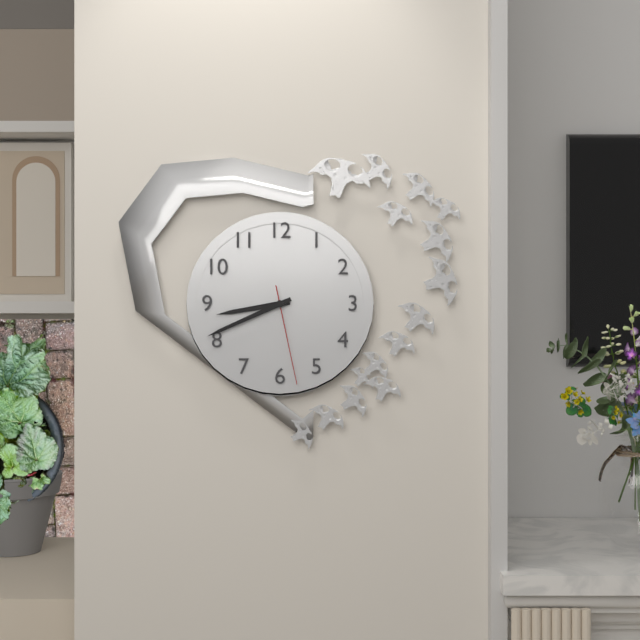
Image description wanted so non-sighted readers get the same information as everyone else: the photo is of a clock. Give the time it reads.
8:41:28
